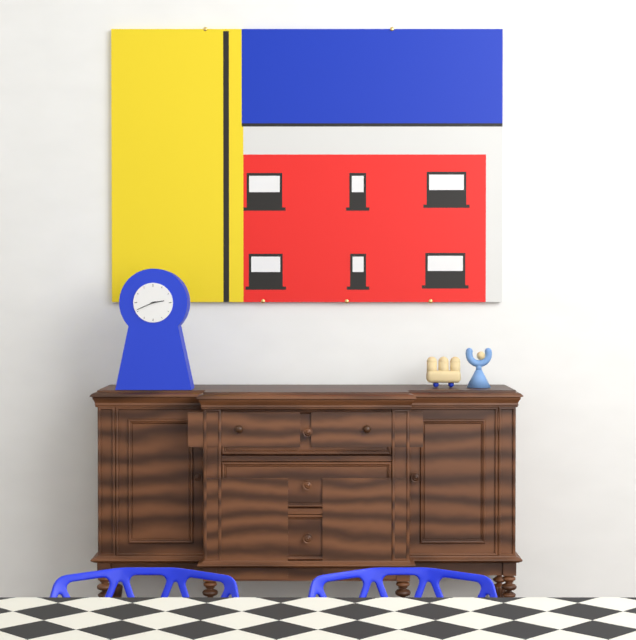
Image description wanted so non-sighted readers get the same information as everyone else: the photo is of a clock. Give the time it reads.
2:41
